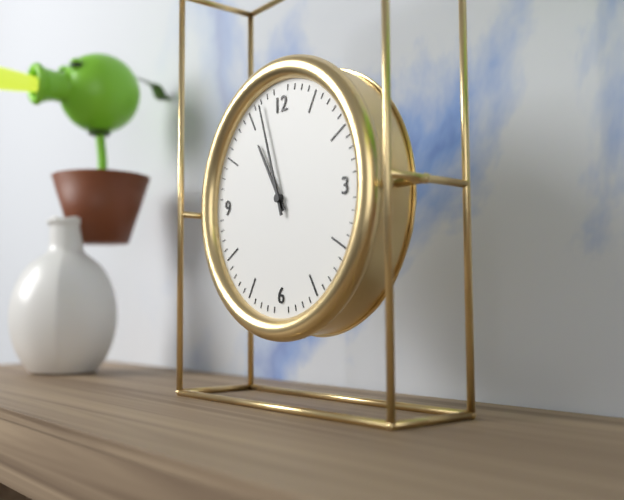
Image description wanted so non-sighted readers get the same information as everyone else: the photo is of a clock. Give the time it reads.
10:57
